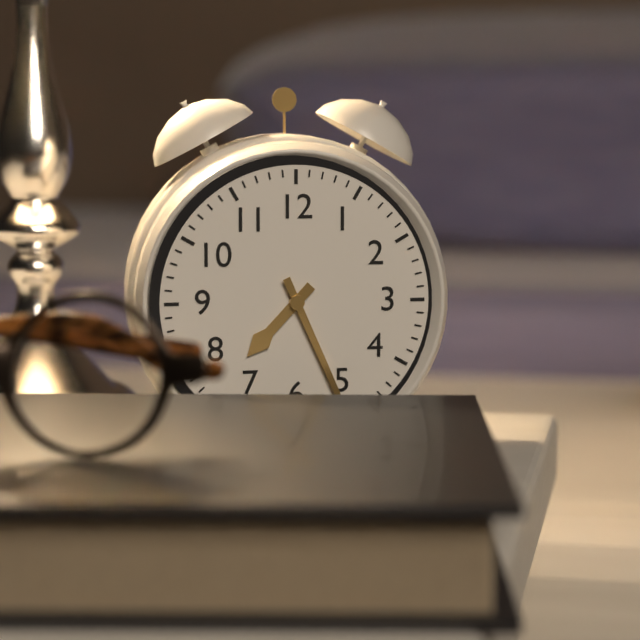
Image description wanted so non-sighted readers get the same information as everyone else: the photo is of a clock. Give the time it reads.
7:26
